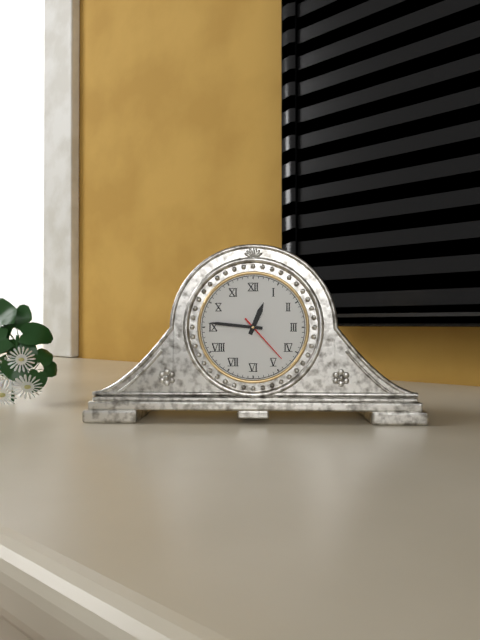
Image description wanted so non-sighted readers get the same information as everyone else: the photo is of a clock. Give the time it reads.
12:46:23
